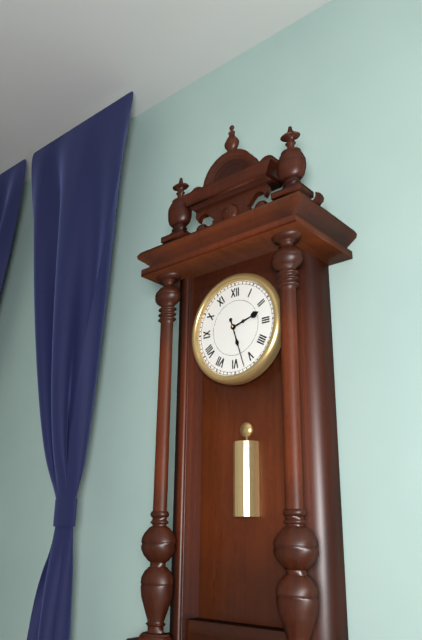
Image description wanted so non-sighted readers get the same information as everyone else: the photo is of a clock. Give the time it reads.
2:27
